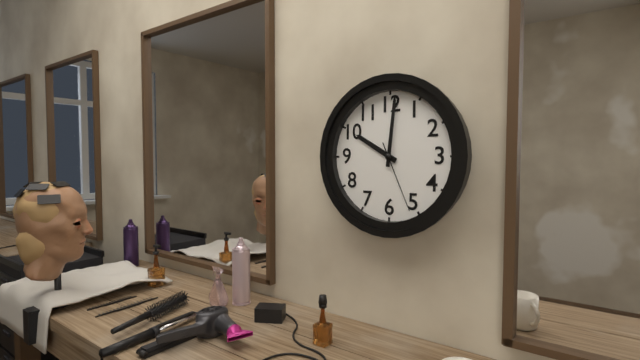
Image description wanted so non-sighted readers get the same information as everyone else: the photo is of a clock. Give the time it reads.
10:01:26
